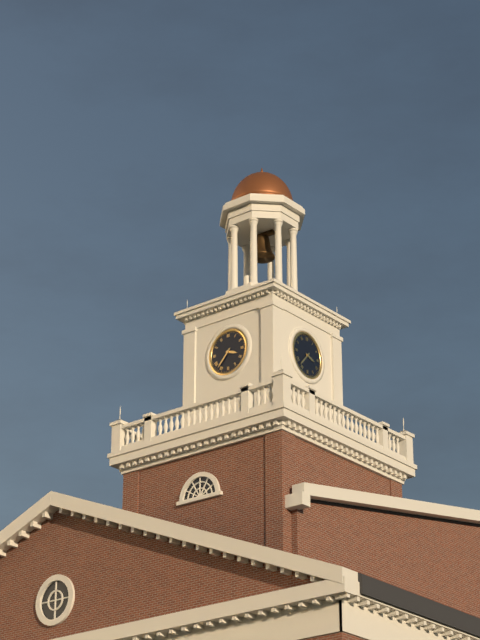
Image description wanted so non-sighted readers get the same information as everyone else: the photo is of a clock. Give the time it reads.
3:37
